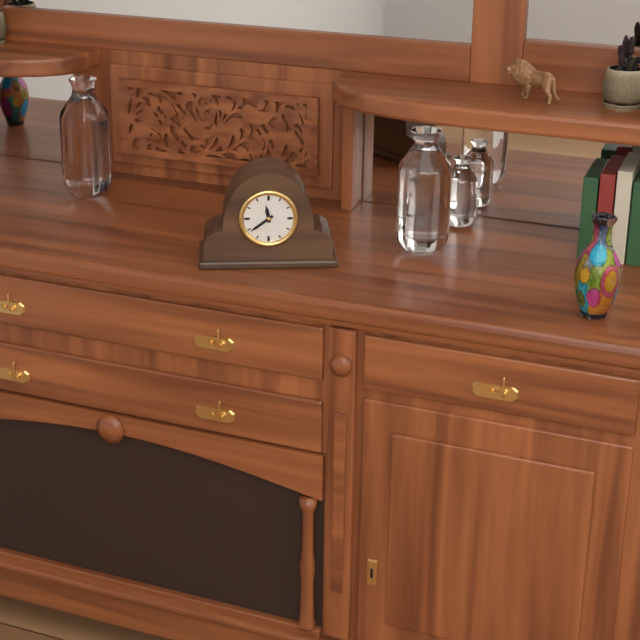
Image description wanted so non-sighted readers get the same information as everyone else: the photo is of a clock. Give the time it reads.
11:39
